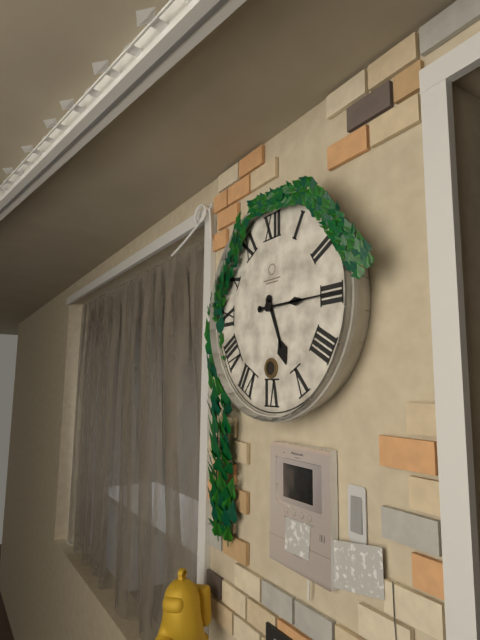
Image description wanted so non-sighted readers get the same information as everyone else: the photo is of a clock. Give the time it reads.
5:15
